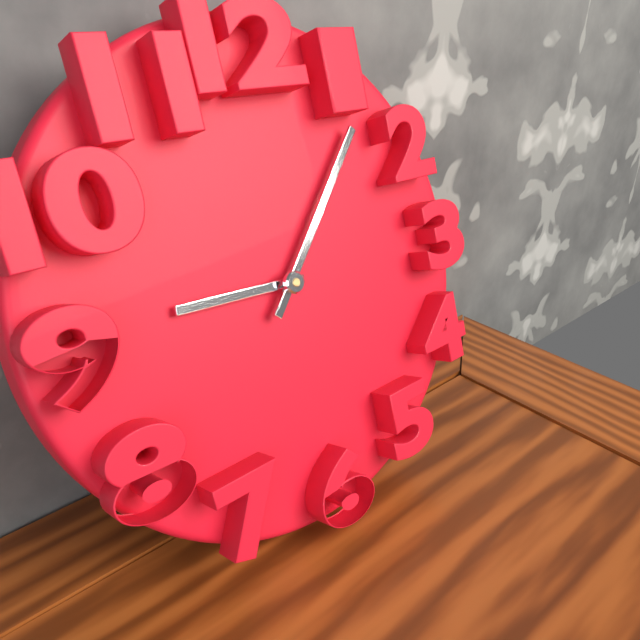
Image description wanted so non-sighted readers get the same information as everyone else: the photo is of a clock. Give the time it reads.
9:07
